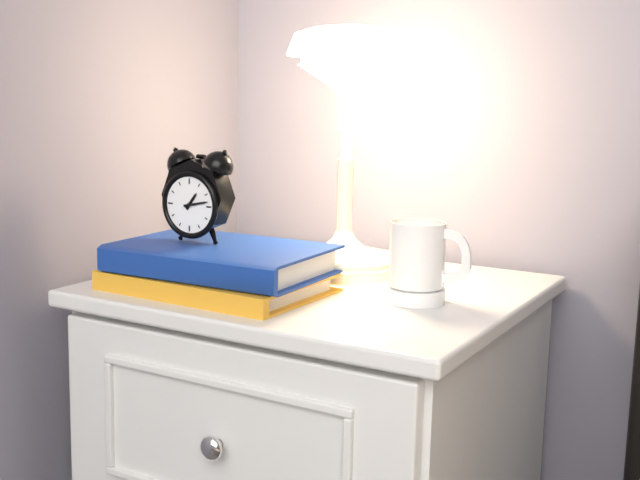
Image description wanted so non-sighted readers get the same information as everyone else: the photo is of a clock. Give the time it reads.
1:13
